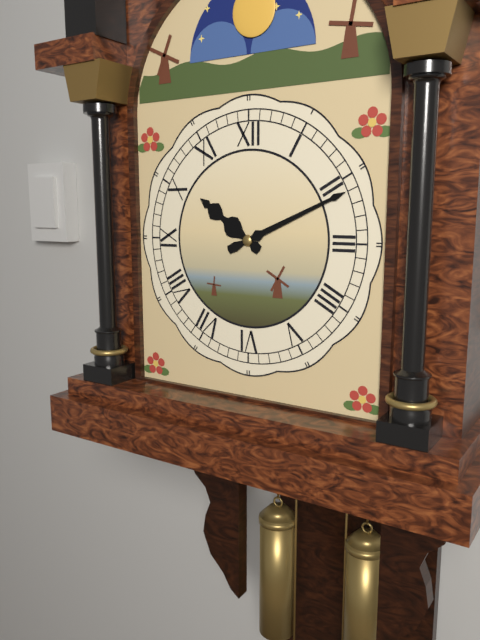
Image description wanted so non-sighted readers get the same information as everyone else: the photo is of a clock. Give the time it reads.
10:11
